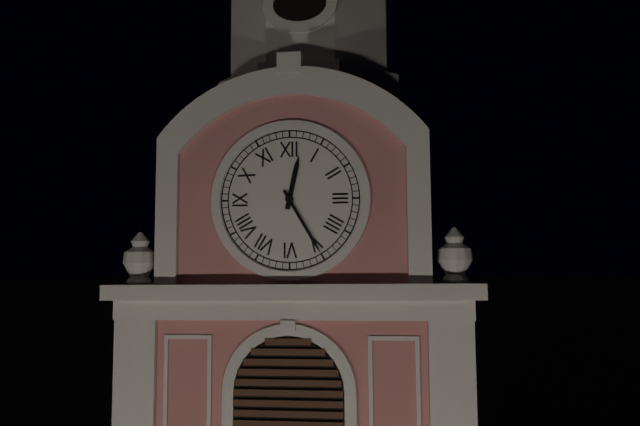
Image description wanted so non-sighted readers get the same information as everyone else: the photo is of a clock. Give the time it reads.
12:25
